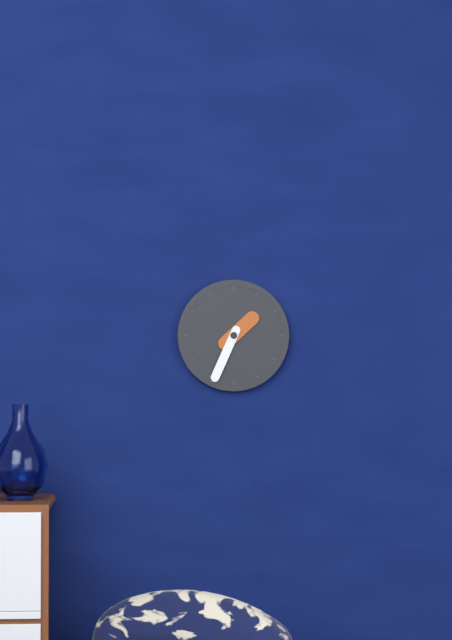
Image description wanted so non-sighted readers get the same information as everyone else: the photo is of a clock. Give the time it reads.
1:34
